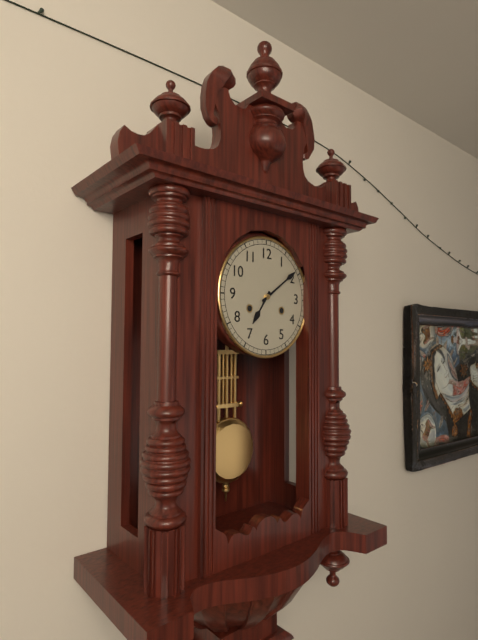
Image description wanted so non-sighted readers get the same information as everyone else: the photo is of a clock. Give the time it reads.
7:09
